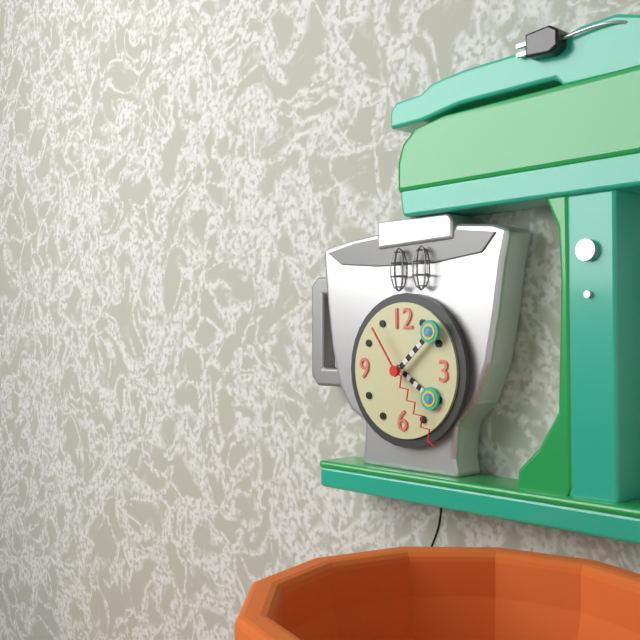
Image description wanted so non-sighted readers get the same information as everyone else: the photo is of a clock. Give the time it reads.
4:08:24
